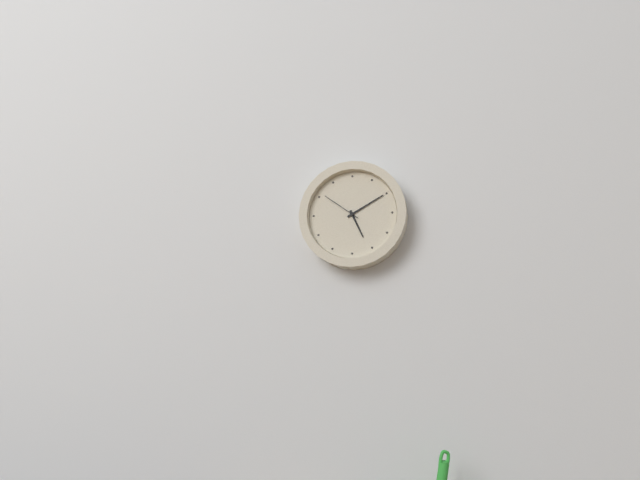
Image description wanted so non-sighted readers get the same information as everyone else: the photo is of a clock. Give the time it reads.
5:10
